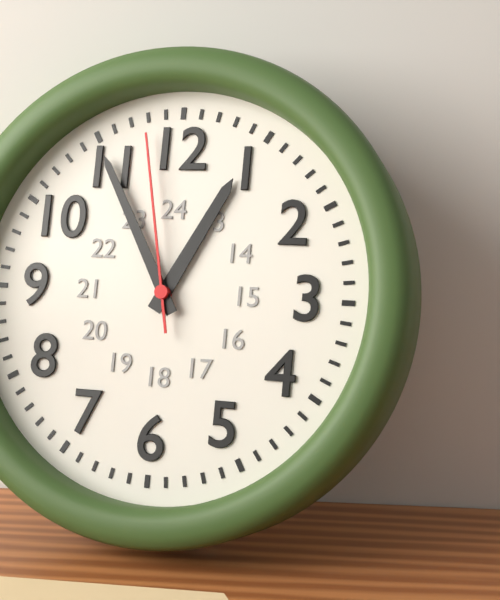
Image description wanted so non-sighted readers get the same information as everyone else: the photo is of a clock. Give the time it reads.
12:55:58
